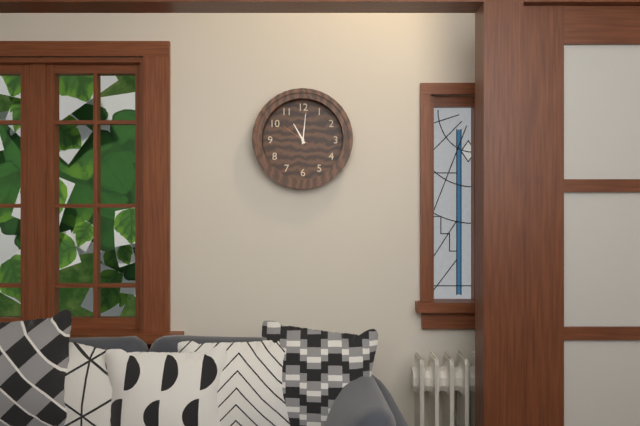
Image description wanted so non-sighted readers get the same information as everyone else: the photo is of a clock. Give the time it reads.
11:01
